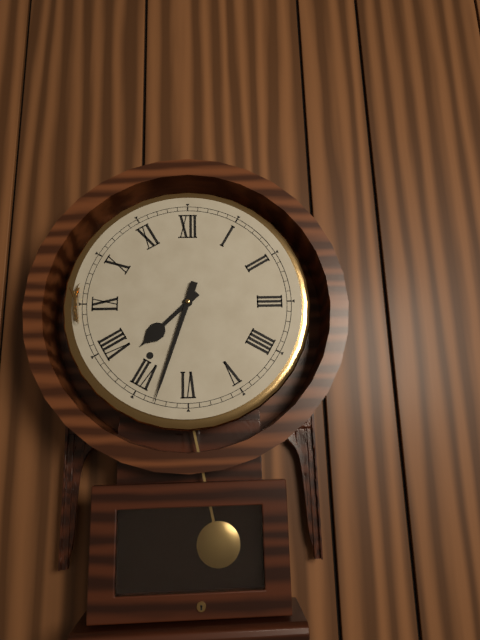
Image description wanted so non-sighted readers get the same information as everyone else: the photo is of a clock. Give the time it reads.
7:33
